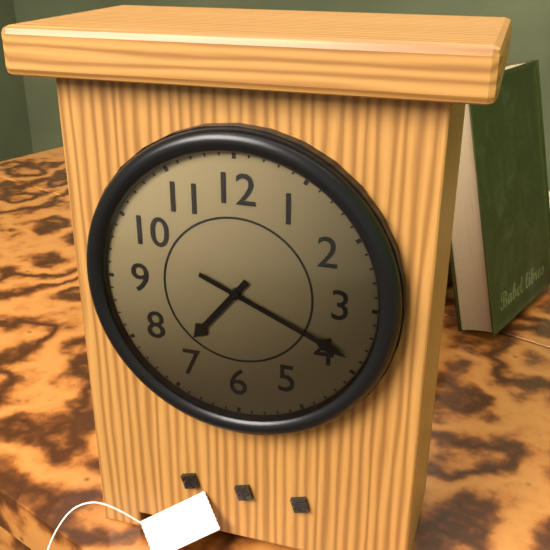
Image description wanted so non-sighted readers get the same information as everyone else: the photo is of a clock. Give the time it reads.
7:19
